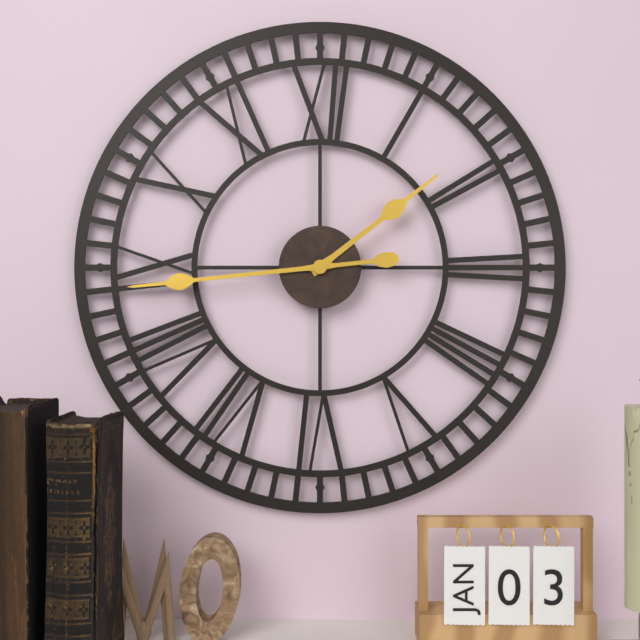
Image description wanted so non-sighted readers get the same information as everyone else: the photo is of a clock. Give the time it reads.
1:44
